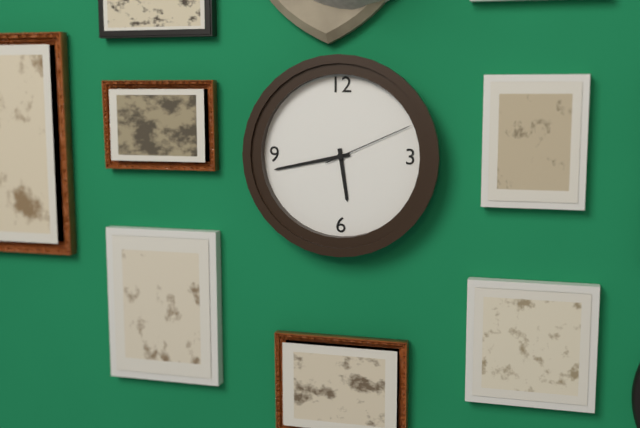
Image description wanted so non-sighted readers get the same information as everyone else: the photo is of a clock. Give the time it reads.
5:43:11
